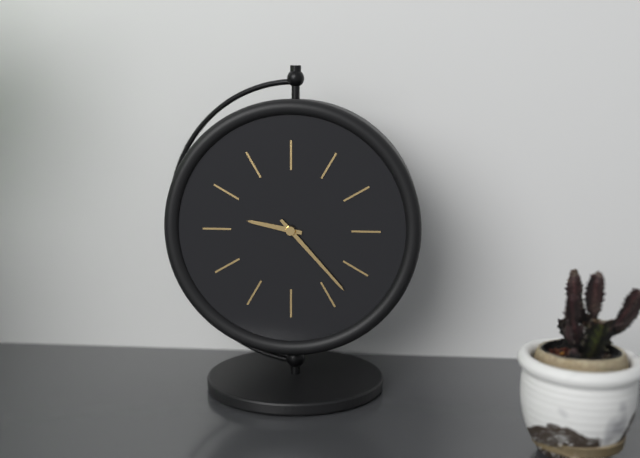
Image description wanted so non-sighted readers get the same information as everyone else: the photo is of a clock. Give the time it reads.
9:23
